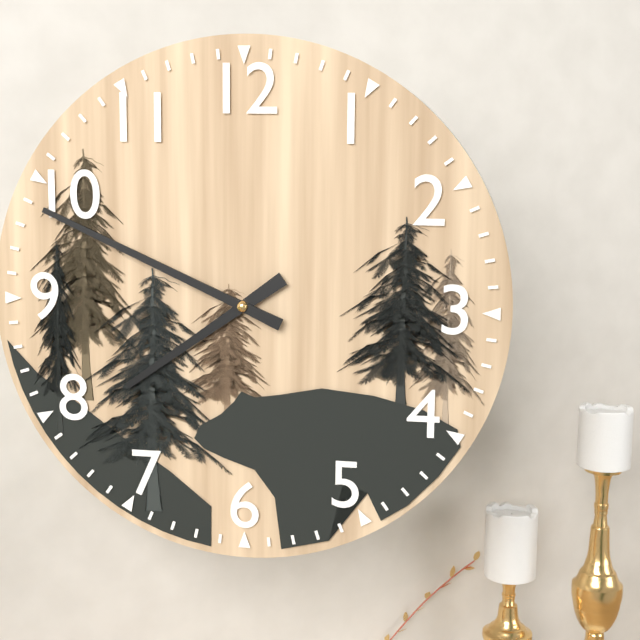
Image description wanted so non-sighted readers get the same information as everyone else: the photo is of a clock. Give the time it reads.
7:49
